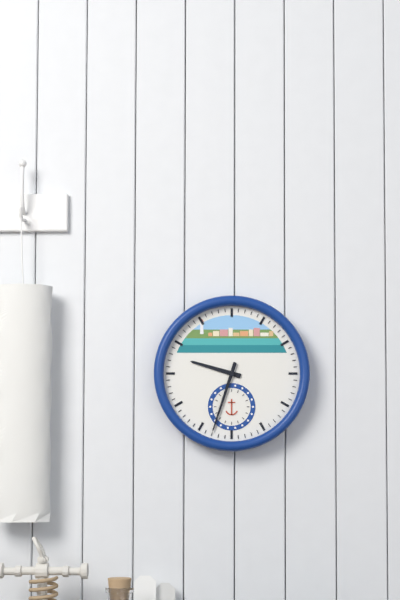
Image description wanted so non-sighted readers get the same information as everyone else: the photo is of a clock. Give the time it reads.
9:33
